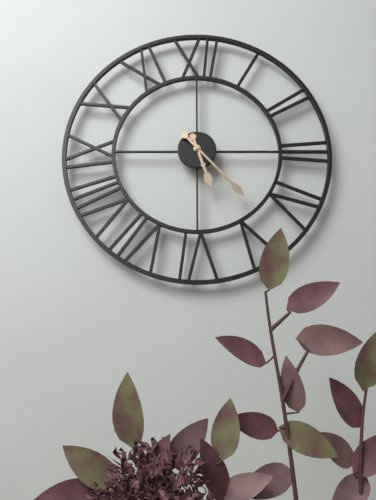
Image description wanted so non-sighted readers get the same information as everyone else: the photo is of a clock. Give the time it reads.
5:23
